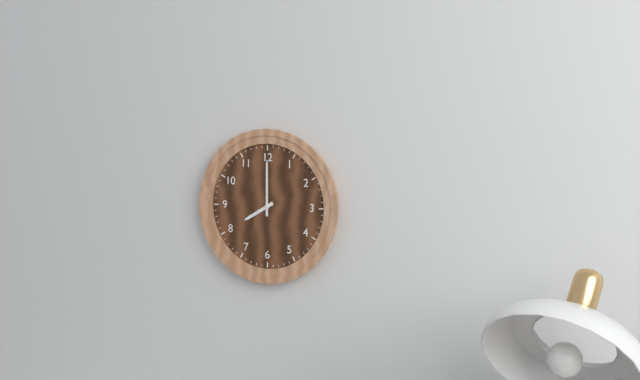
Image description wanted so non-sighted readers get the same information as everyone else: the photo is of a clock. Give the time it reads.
8:00
